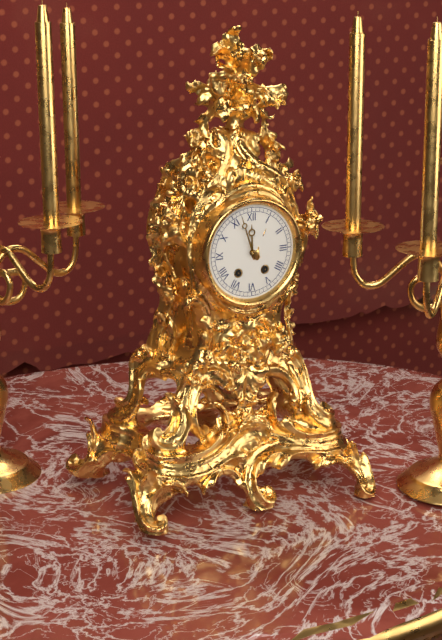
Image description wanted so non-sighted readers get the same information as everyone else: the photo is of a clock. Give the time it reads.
11:57
